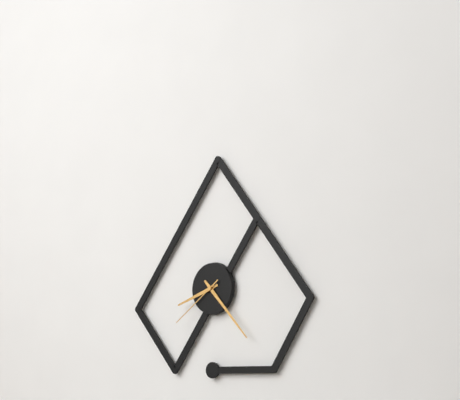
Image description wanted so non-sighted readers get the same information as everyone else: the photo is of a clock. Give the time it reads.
8:23:39
